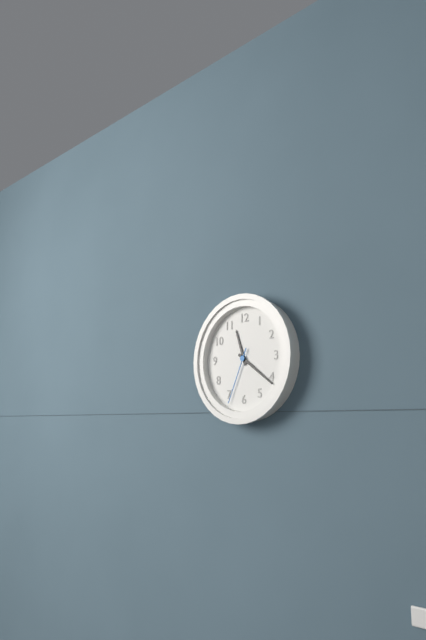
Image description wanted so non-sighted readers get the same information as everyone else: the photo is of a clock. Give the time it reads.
11:21:34
